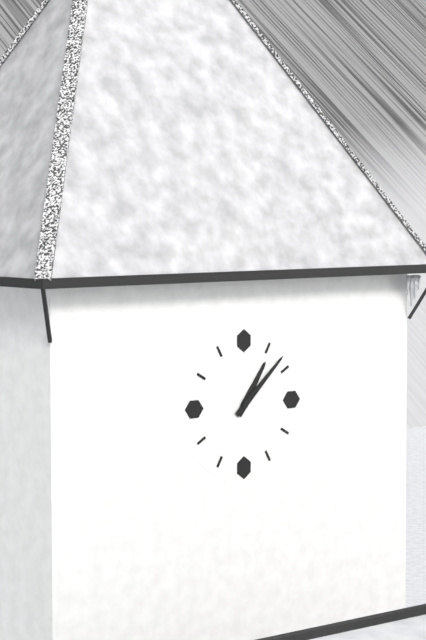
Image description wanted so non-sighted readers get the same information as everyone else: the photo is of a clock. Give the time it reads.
1:08
